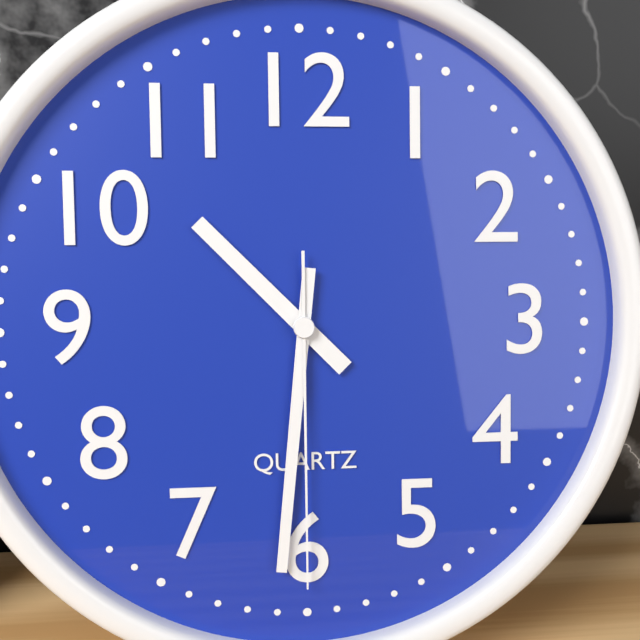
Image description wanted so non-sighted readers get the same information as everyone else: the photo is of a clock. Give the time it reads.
10:31:30
